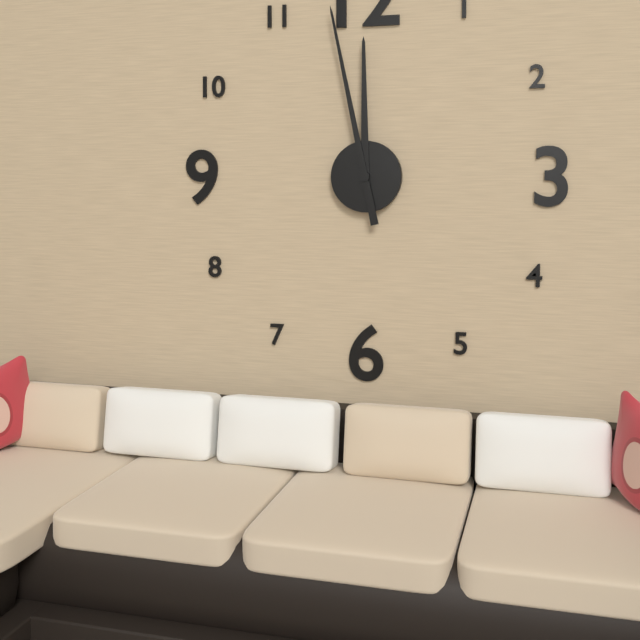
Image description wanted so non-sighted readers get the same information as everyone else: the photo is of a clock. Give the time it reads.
11:58
